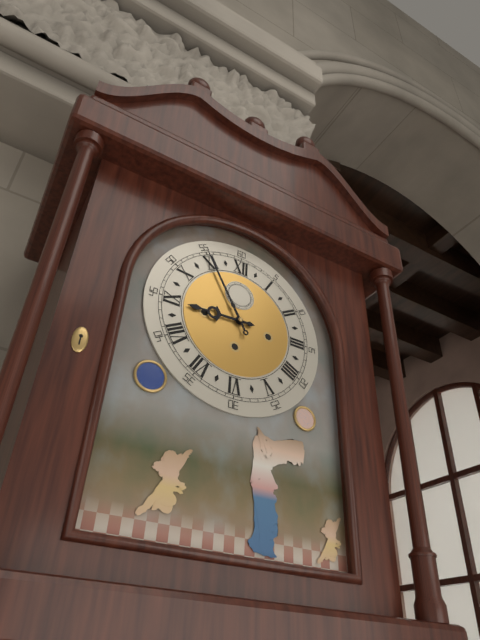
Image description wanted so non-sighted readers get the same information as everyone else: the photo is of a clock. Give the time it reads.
8:55
